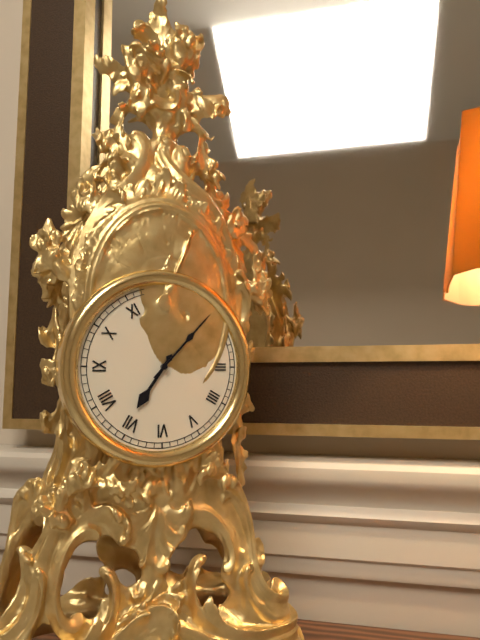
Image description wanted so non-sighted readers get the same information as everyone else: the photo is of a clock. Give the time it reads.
7:07
